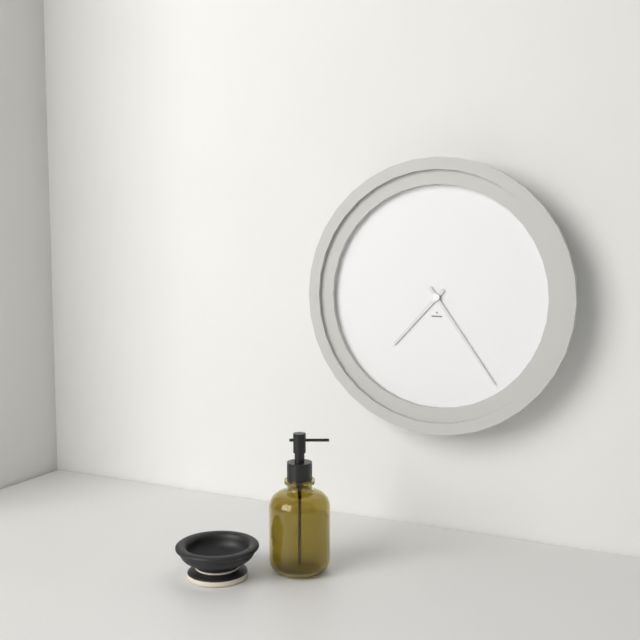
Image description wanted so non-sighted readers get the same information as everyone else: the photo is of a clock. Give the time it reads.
7:24
